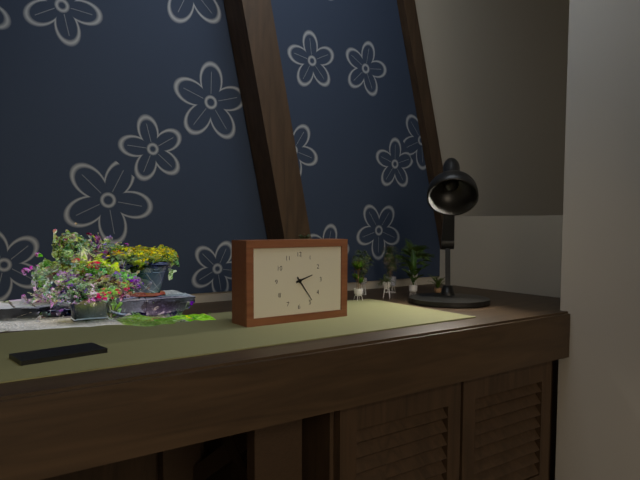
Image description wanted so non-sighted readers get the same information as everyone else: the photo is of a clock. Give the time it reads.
2:24
